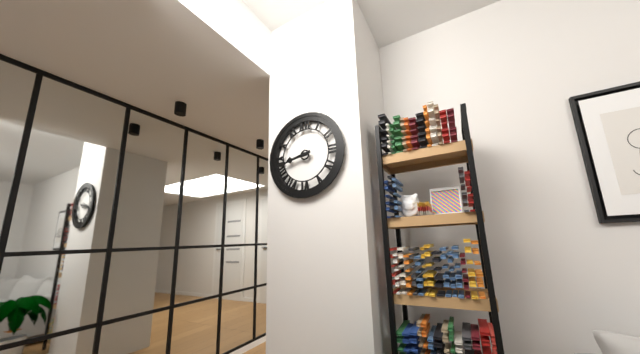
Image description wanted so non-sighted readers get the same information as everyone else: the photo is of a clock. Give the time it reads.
8:43
